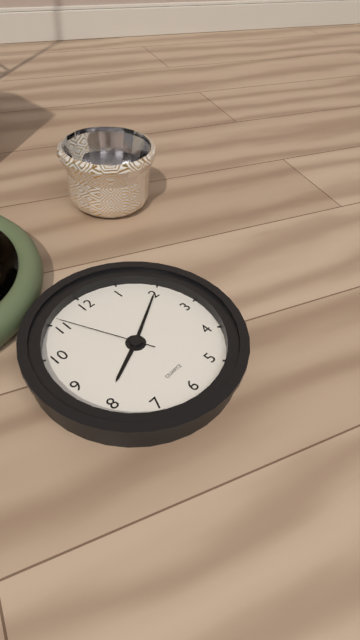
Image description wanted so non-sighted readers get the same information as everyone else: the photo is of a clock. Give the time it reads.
8:10:56
